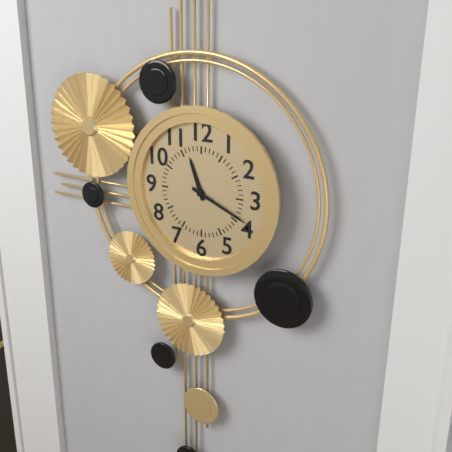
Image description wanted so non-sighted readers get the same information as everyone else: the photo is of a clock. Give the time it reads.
11:19
